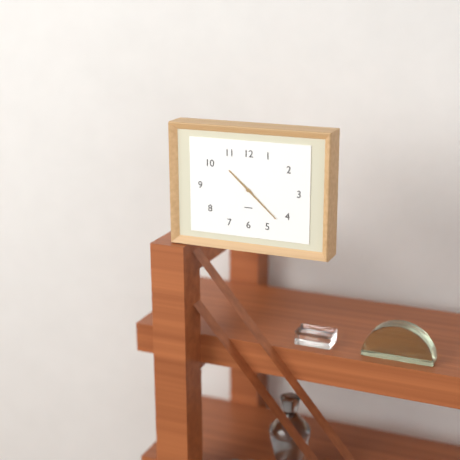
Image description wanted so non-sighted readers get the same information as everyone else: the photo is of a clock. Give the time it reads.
10:22
